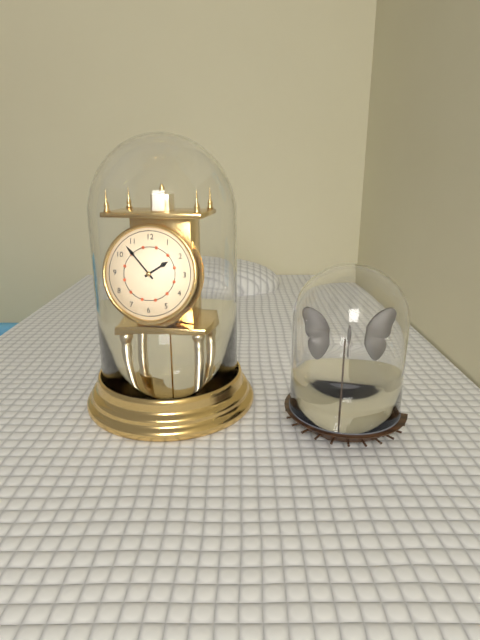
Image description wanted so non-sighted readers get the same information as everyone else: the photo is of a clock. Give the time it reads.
1:53
